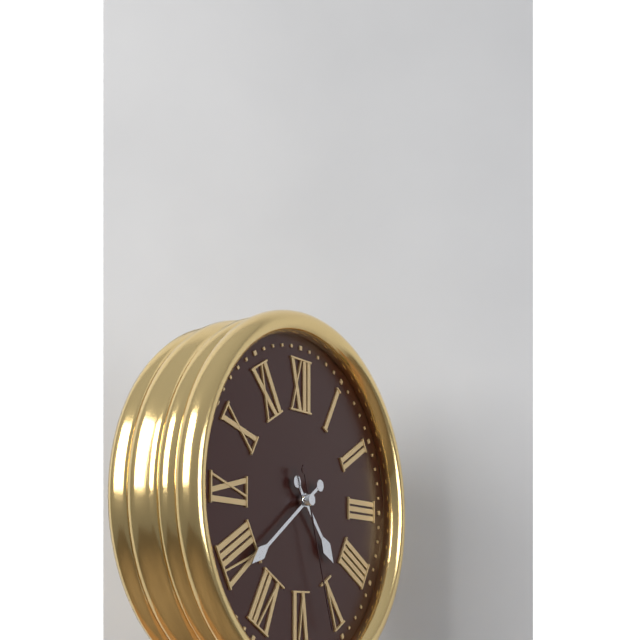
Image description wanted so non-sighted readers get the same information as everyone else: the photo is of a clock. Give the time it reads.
4:39:27
